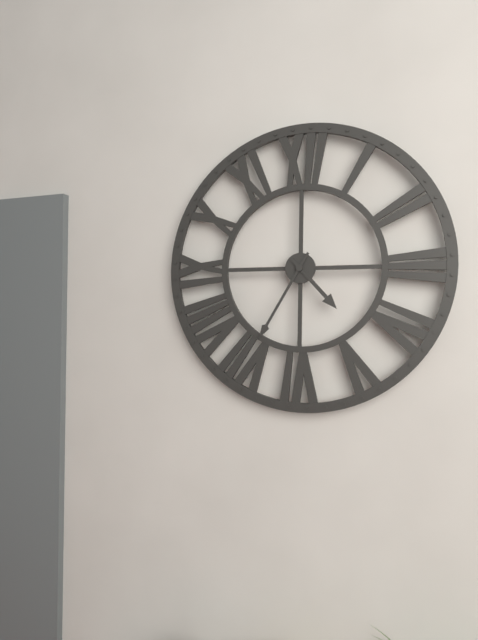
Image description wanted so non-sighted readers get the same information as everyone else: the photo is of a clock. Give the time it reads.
4:35
